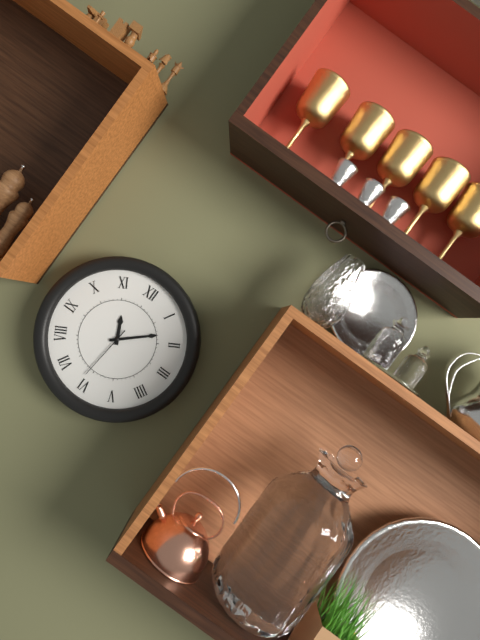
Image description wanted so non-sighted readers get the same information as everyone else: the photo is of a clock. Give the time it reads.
11:08:31
